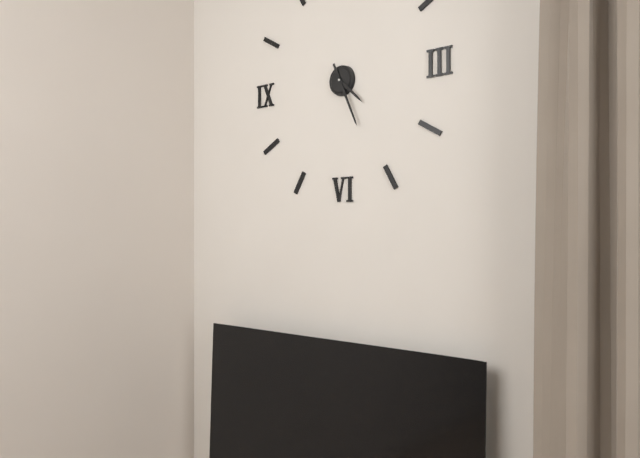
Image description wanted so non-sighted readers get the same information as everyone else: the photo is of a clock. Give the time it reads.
4:26
